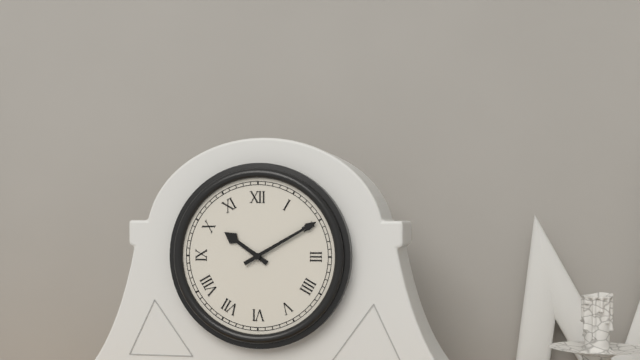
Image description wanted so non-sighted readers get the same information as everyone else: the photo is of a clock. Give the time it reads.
10:10
